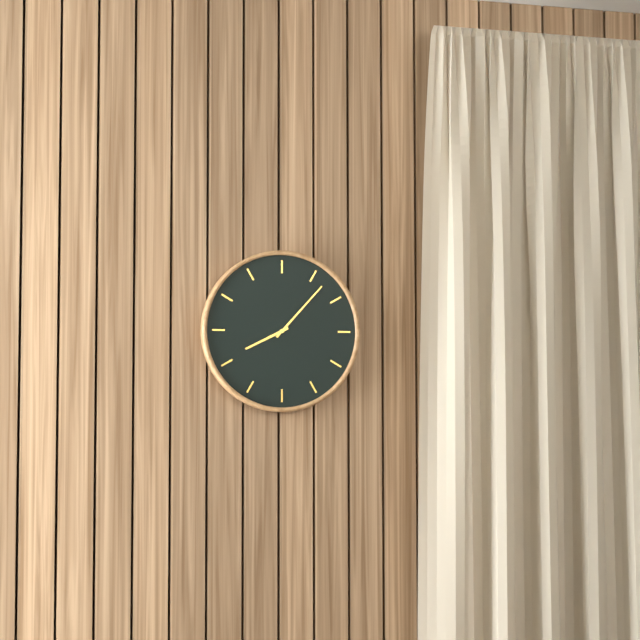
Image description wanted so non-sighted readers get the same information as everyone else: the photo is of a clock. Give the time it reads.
8:07
